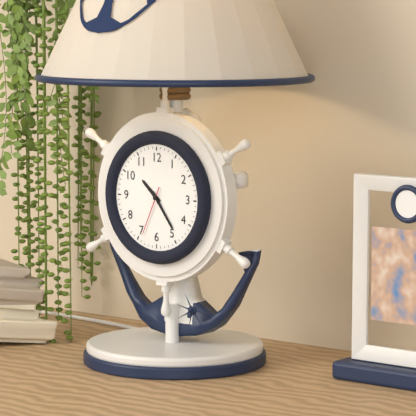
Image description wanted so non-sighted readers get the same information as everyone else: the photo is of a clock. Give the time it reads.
10:24:34
